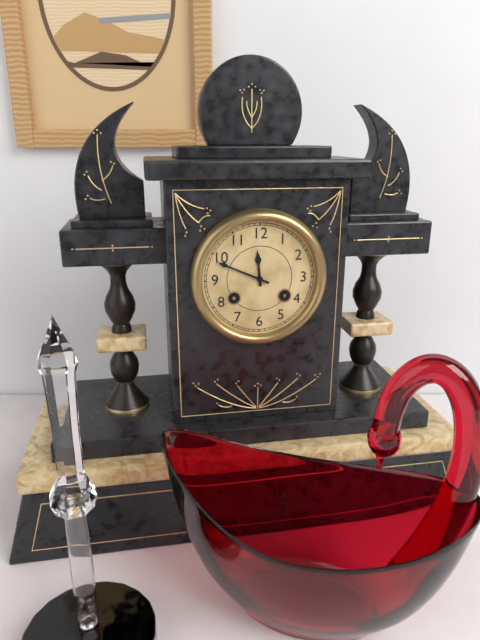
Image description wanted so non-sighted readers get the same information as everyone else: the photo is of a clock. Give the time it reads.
11:49
